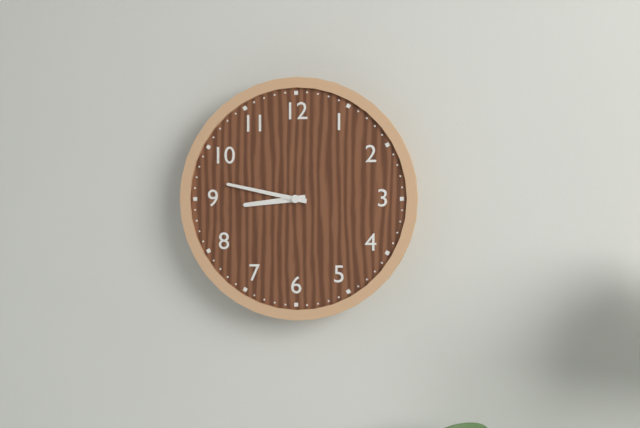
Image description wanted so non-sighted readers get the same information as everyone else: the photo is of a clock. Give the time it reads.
8:47
